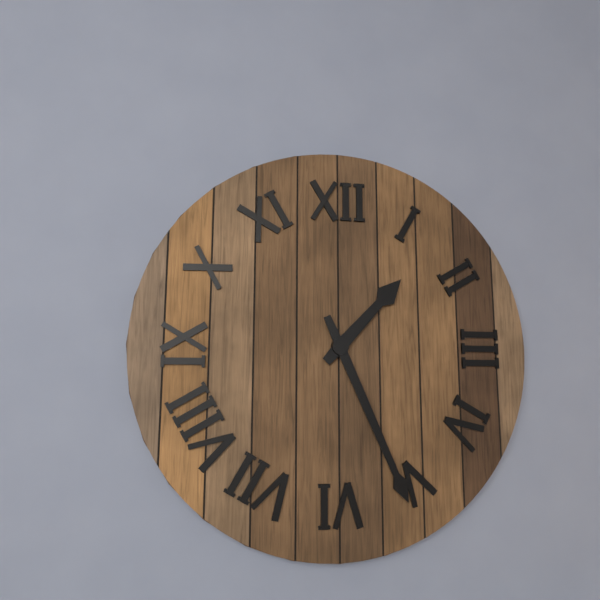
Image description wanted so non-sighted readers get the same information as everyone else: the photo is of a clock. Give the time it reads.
1:26
